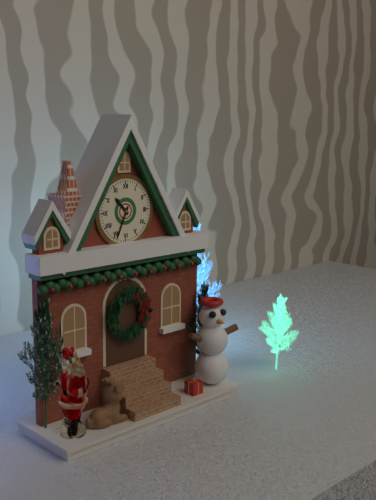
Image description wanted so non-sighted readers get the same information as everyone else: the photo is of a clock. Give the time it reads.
10:34
